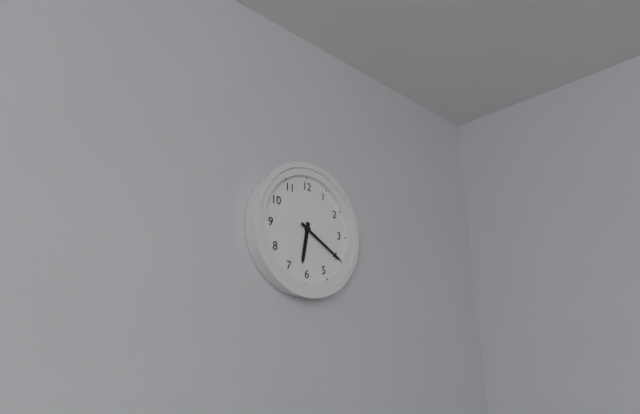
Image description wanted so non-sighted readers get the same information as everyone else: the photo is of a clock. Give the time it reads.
6:20
